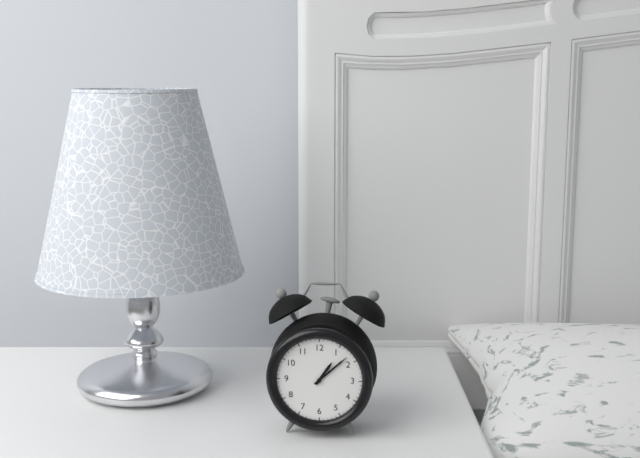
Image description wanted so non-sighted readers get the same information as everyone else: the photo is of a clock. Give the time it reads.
1:08
